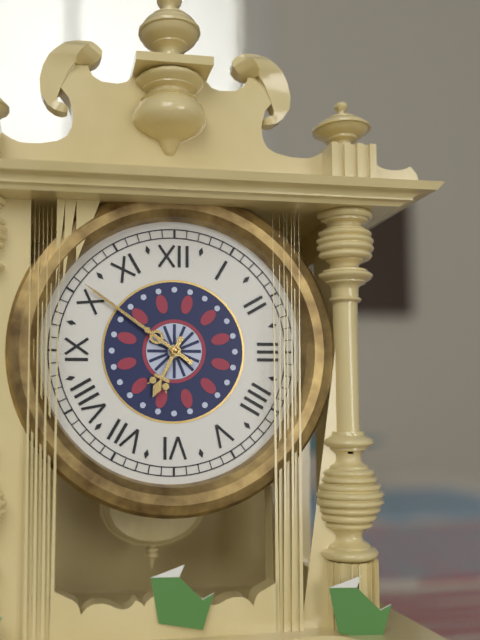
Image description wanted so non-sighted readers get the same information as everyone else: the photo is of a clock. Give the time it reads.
6:51
